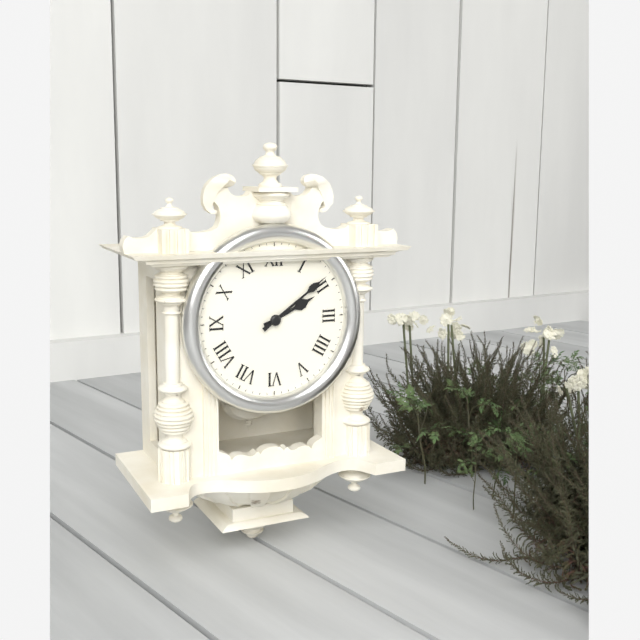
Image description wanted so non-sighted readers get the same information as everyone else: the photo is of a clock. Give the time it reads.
2:09
